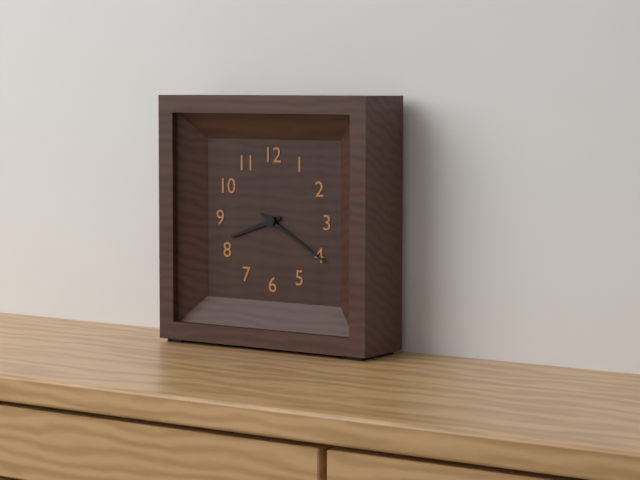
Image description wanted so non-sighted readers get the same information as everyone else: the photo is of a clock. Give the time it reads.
8:20
